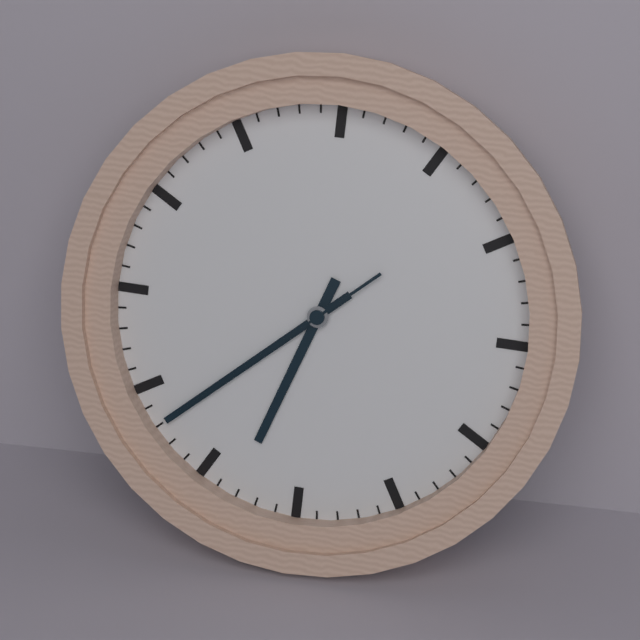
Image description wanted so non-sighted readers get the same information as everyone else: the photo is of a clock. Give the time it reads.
6:38:38
